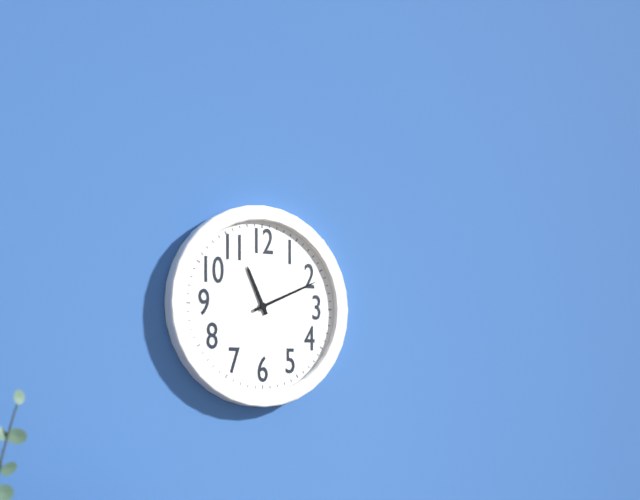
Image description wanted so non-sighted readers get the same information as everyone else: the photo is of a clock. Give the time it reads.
11:11
